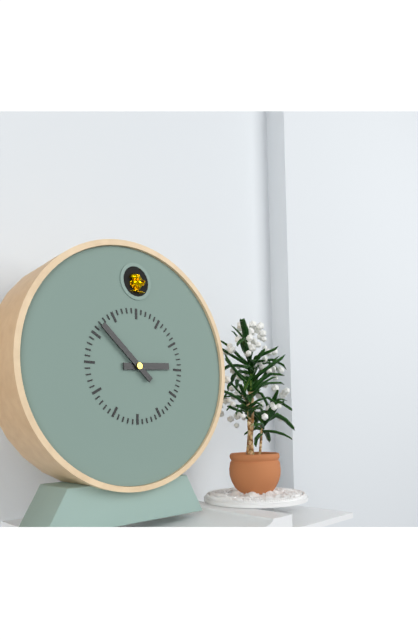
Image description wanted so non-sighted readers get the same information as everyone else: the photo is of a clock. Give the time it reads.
2:52
